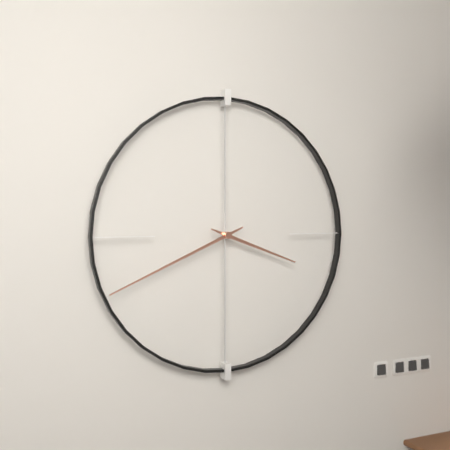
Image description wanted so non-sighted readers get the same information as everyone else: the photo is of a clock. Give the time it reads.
3:41
